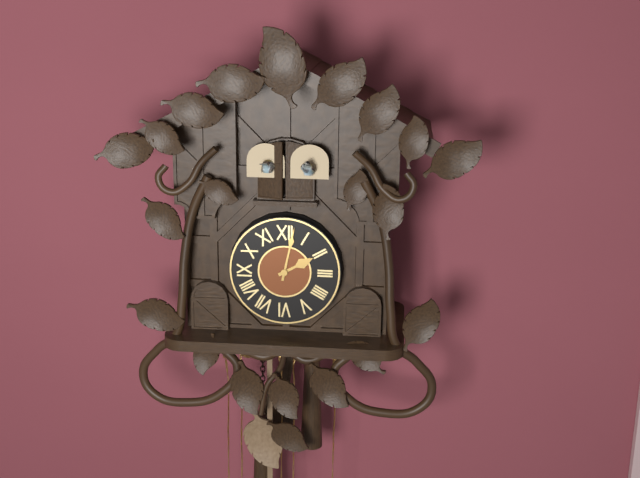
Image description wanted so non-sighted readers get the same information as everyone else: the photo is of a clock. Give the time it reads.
2:02
